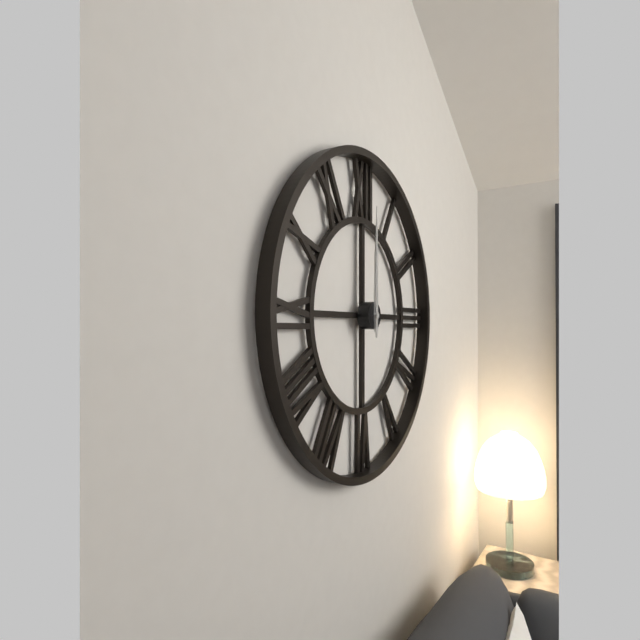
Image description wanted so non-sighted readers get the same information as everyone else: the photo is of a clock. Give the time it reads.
12:00
